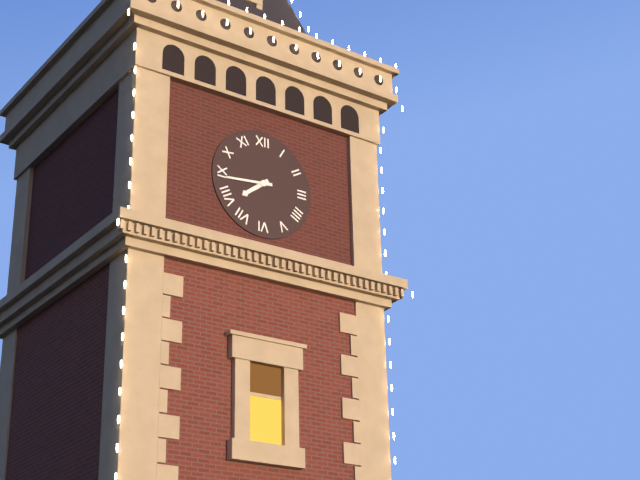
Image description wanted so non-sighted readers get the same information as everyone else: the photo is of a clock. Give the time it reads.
7:44
